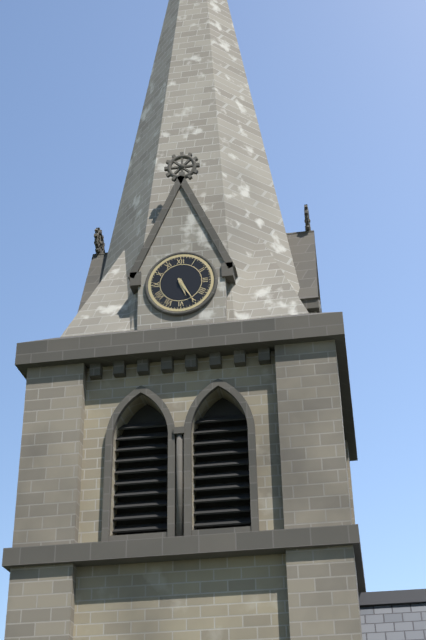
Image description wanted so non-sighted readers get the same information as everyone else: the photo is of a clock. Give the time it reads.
5:25
